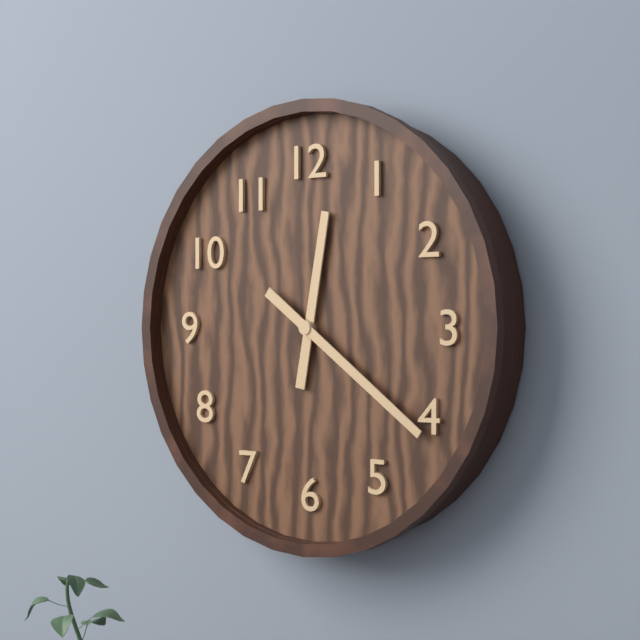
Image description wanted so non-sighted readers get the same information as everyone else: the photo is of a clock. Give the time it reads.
12:21
